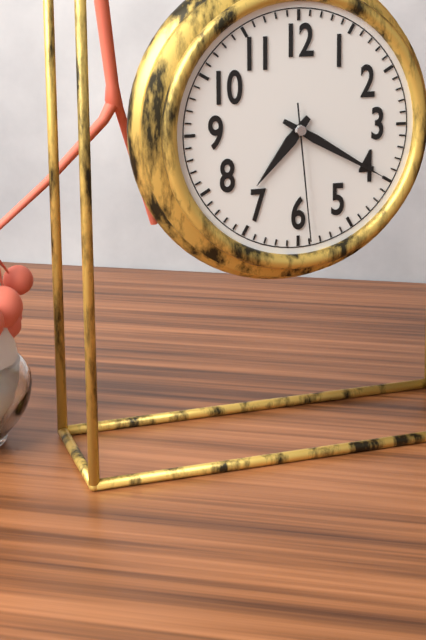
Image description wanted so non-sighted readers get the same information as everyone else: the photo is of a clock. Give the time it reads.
7:20:29
